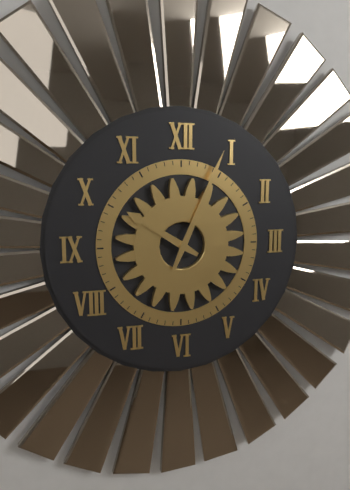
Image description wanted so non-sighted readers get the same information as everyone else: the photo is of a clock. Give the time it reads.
10:04
